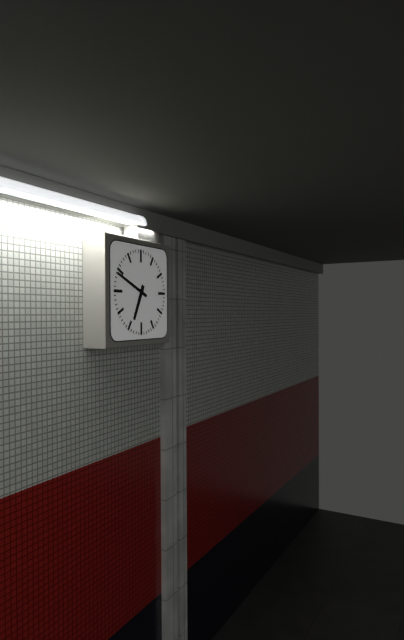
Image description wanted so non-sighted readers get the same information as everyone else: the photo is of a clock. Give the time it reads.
6:49
